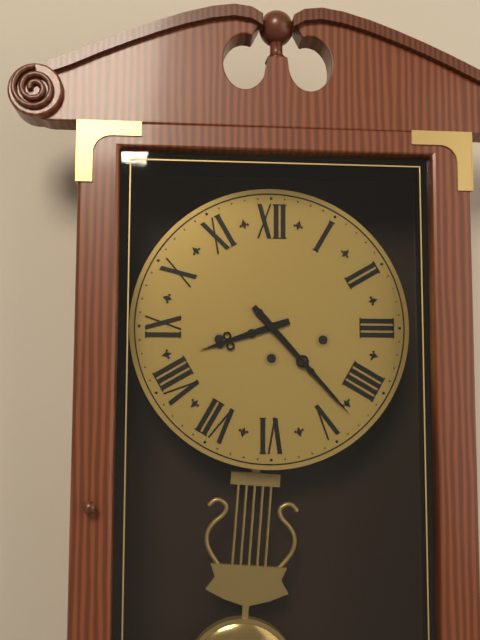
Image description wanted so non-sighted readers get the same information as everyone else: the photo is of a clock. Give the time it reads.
8:23
